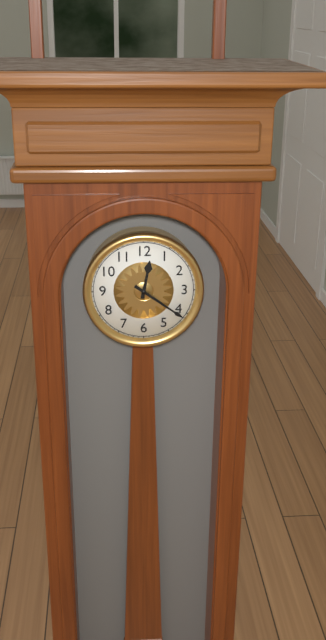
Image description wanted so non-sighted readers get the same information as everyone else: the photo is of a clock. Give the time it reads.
12:21
